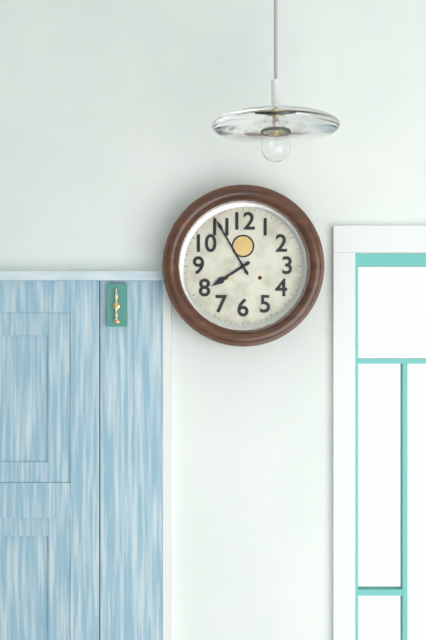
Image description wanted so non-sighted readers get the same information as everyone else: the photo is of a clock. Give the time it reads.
7:55
